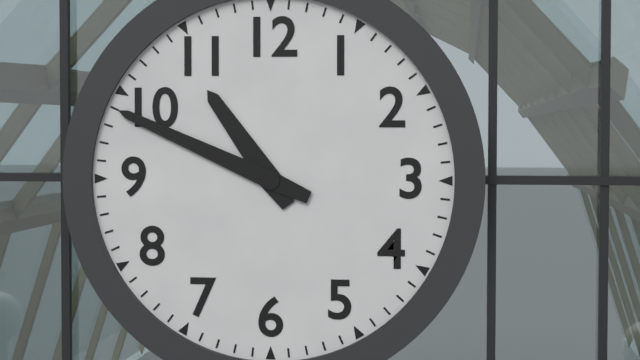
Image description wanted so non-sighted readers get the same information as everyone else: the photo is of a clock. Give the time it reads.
10:49
